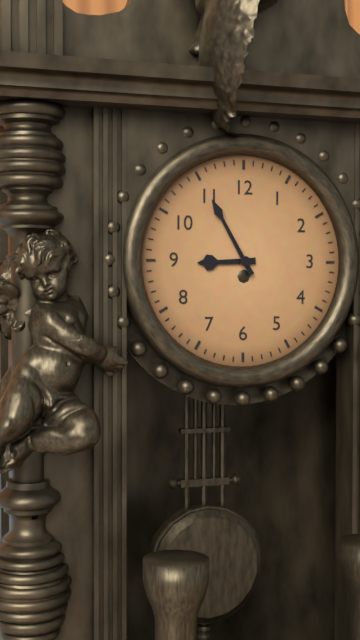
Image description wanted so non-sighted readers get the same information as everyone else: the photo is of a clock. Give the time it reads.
8:55
